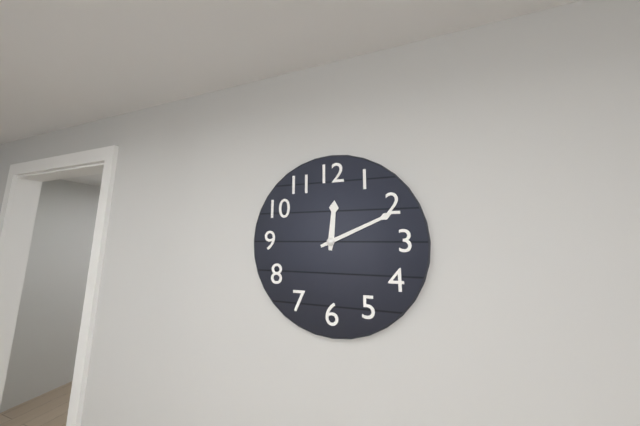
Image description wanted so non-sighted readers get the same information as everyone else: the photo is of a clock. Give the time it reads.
12:11
